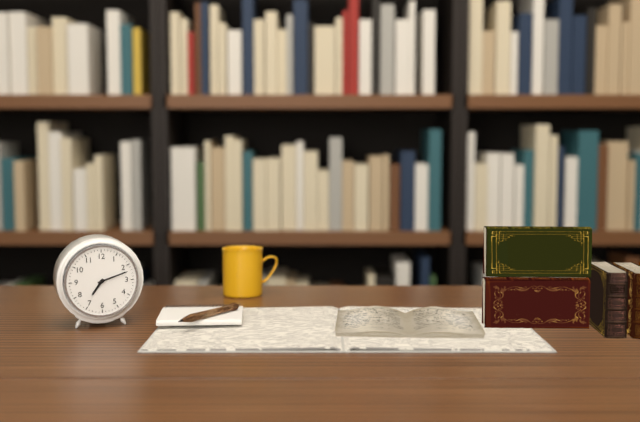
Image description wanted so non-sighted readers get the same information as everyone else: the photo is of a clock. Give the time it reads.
7:12
